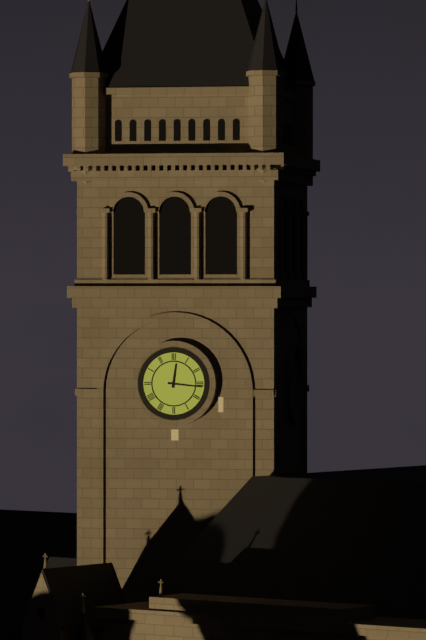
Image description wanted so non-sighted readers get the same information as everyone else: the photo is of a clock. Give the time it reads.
12:16
